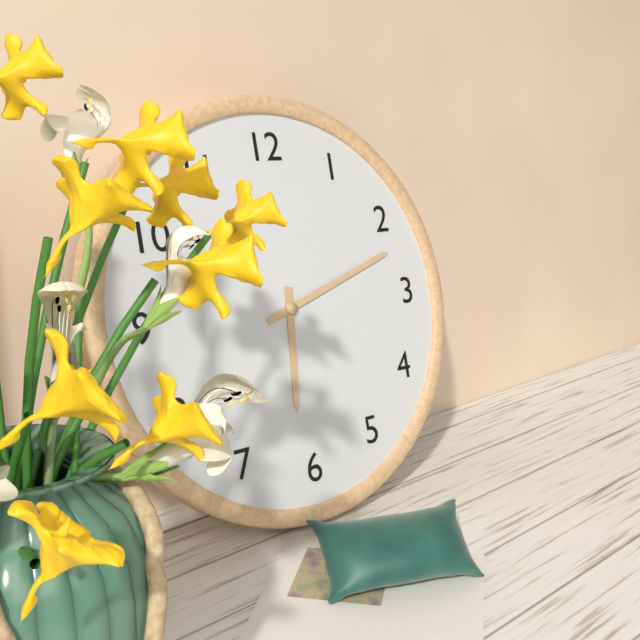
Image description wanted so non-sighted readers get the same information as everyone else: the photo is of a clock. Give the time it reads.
6:12
